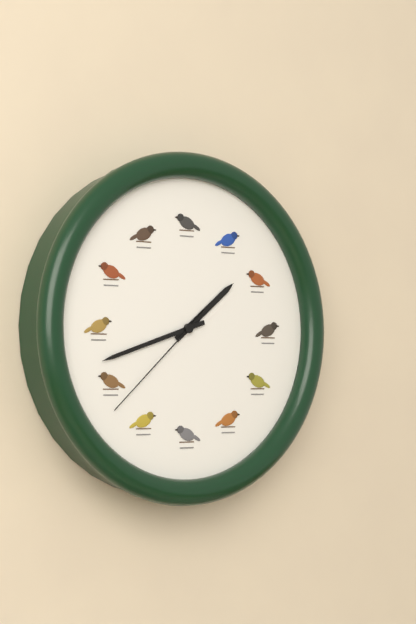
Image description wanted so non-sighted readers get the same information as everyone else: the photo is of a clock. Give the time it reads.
1:42:38
